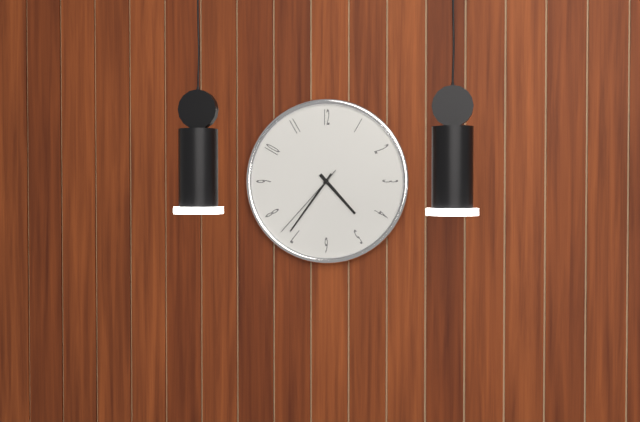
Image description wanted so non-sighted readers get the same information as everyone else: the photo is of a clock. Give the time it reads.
4:36:37
